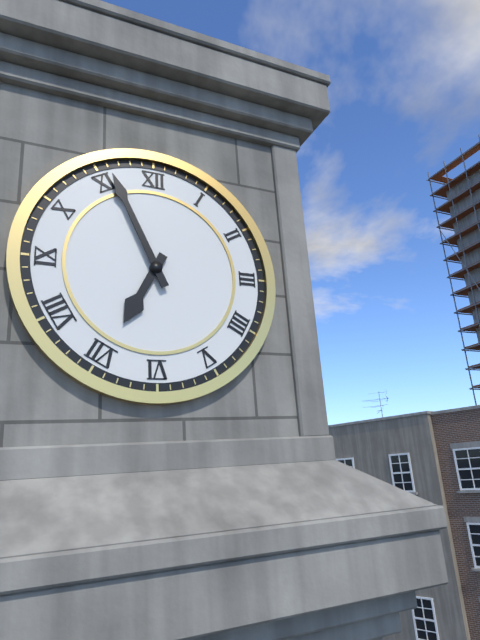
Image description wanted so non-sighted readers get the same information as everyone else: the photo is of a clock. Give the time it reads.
6:56
